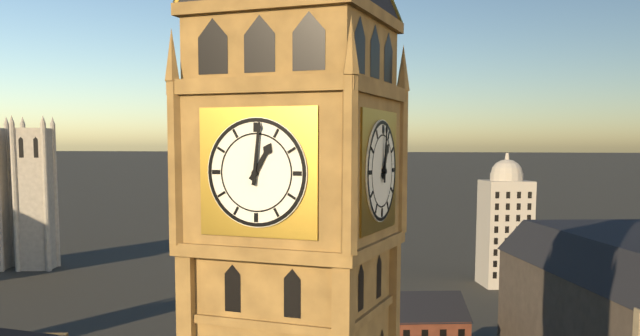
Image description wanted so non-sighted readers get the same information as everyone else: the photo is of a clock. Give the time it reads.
1:01
